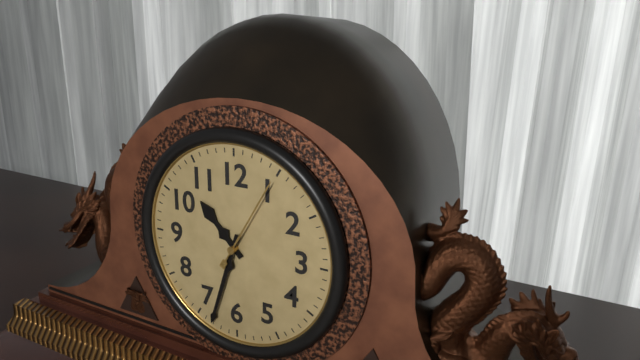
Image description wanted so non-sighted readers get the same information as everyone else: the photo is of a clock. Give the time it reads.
10:33:05
